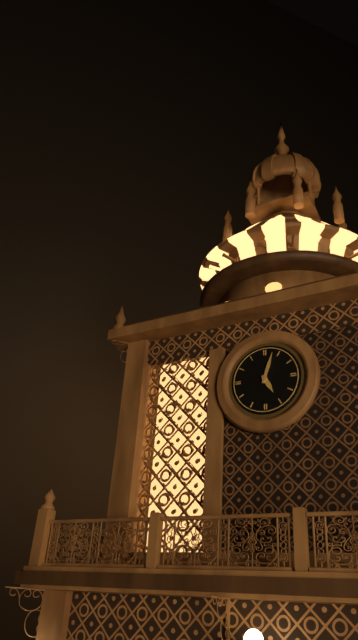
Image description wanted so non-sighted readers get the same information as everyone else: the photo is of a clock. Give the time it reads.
5:03
